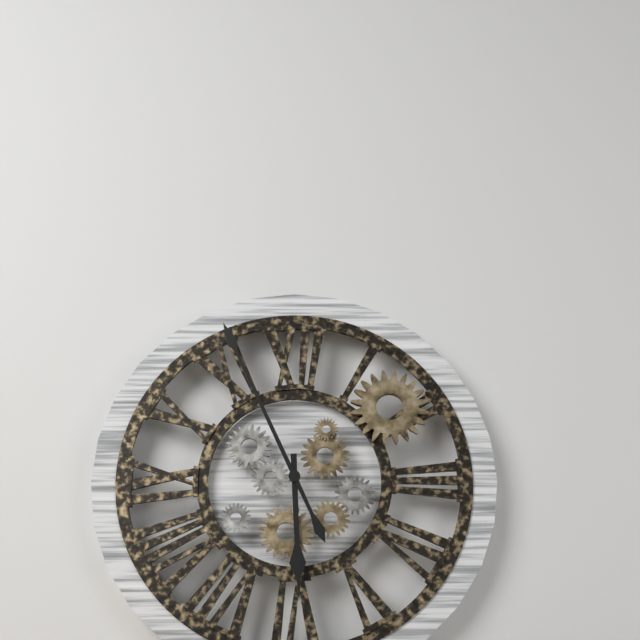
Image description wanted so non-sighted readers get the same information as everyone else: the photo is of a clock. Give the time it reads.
5:56
